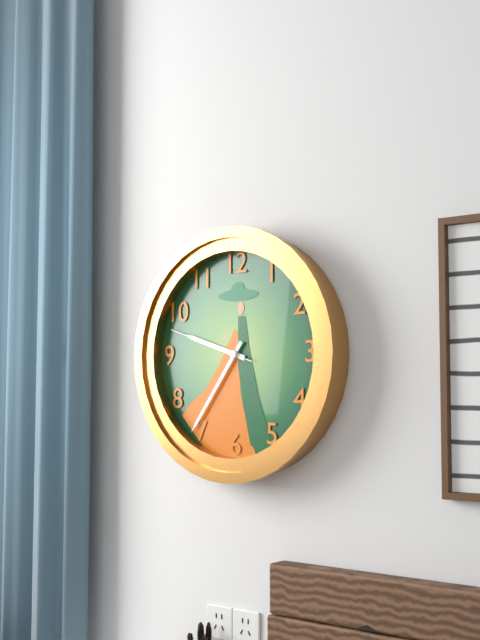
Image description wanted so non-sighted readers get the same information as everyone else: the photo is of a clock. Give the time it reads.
9:36:48
